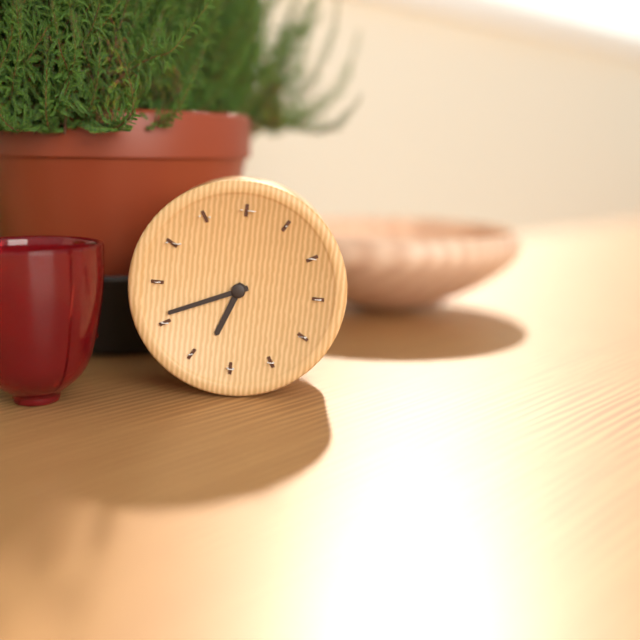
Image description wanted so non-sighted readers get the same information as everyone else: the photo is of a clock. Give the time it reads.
6:41
